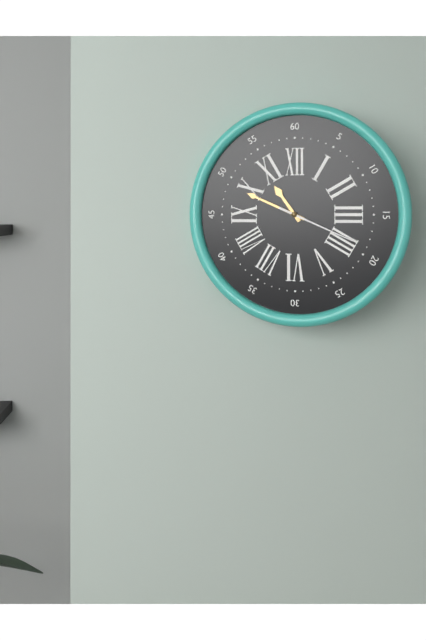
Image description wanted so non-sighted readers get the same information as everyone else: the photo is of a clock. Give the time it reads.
10:49:19
